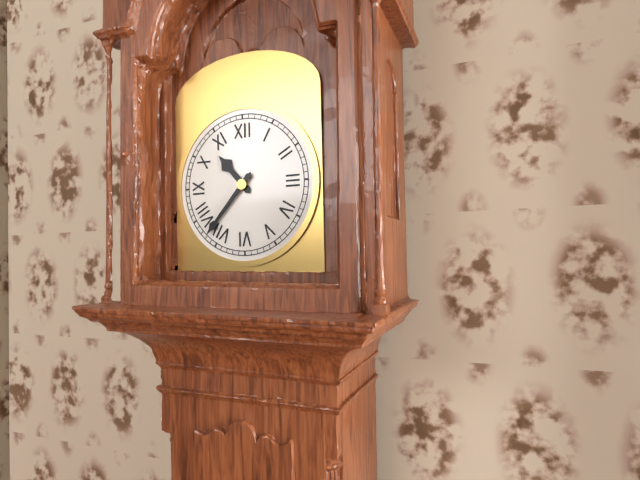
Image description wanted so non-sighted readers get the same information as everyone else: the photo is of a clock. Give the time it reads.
10:37
